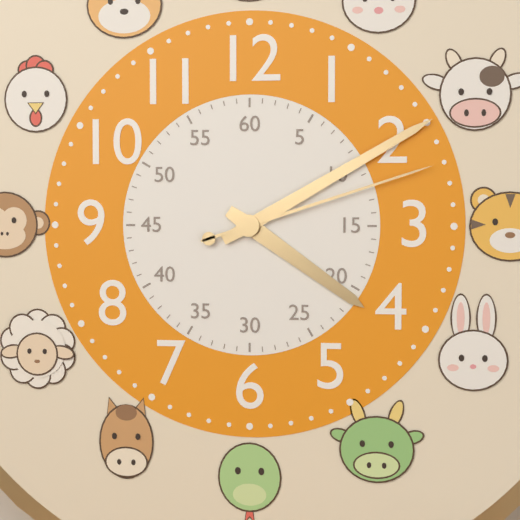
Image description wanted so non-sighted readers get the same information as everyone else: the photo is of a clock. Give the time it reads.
4:10:12
